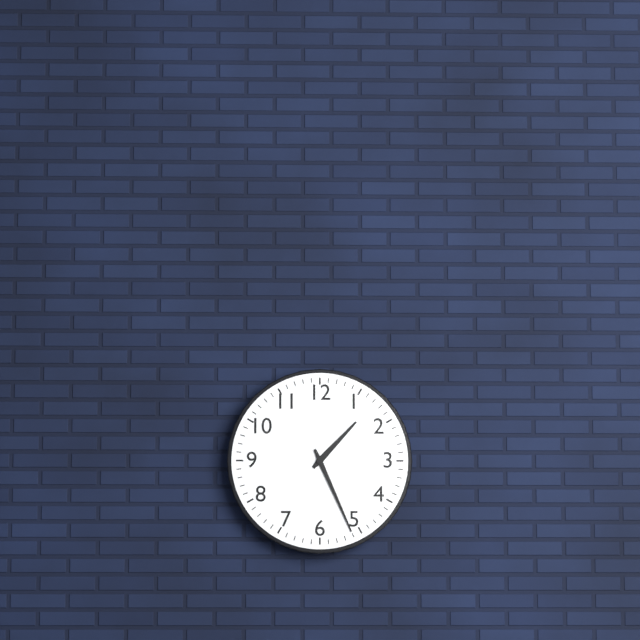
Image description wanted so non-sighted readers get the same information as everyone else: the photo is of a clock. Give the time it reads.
1:26
